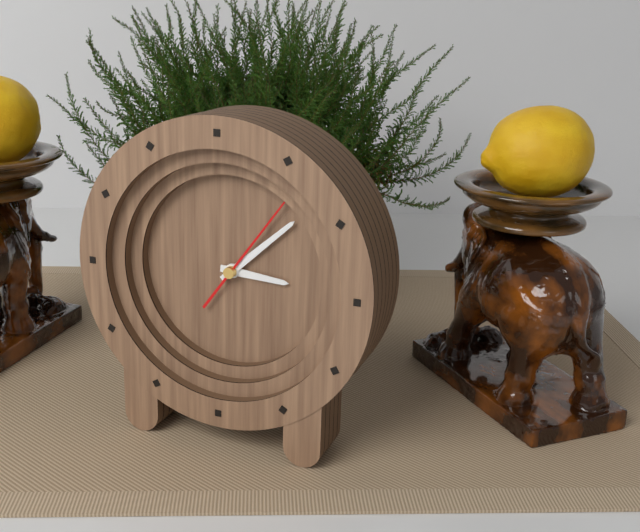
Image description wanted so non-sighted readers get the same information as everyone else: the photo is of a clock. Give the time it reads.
3:08:06
